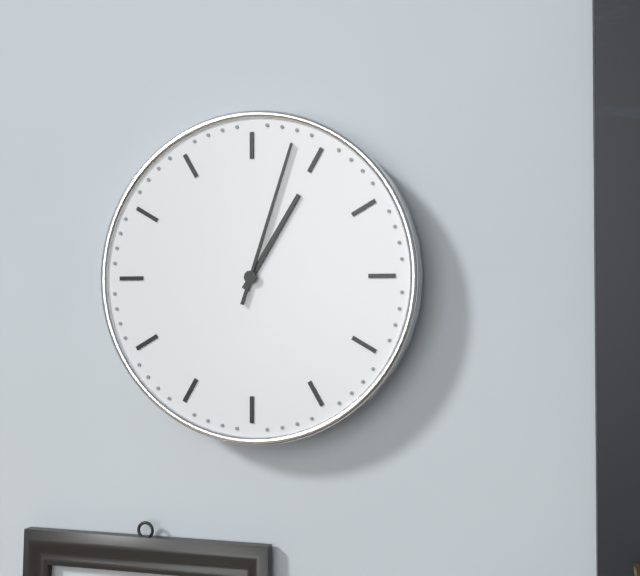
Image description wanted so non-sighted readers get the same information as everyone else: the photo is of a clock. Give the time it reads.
1:03
